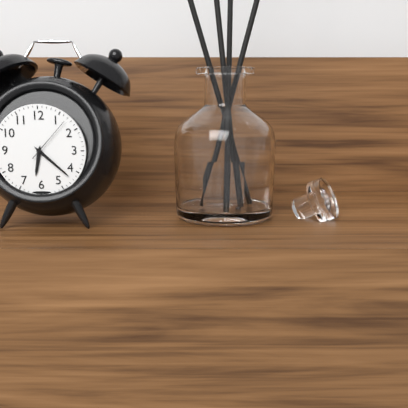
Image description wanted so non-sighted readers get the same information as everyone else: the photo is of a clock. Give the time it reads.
6:22
